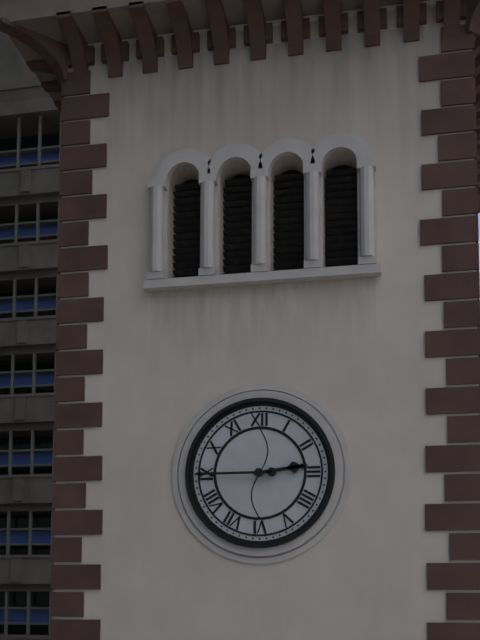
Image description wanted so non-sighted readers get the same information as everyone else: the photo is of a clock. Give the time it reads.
2:45
